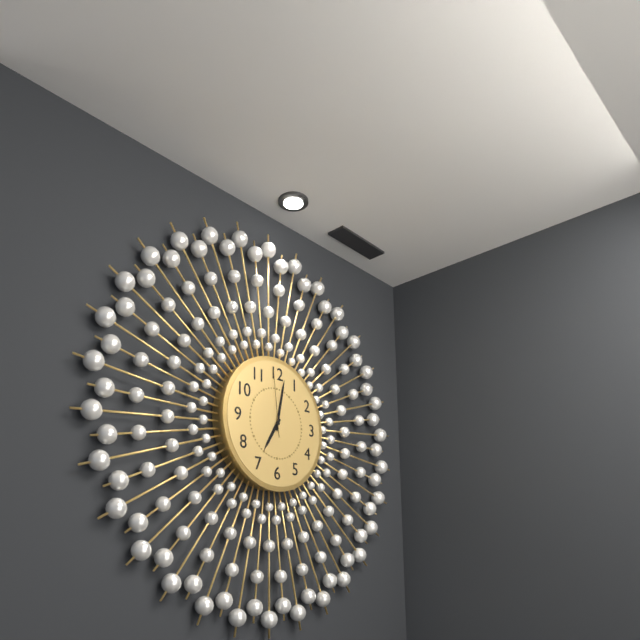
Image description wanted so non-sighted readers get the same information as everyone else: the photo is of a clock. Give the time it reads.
7:02:59
